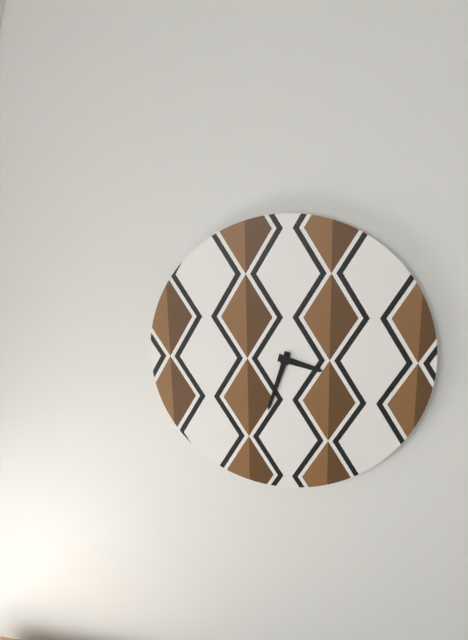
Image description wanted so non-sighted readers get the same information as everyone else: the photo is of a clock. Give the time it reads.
3:33
